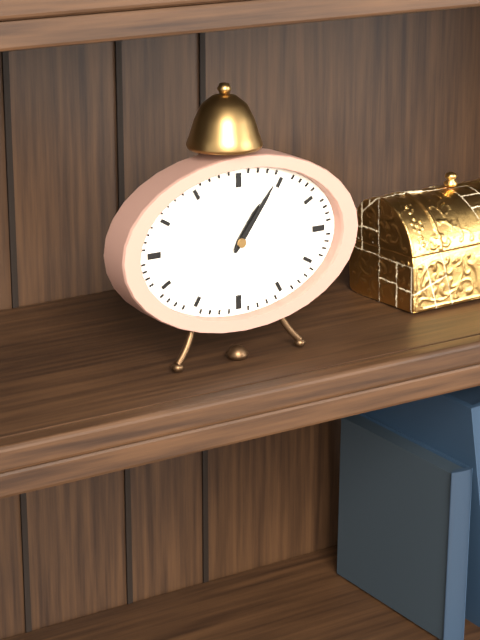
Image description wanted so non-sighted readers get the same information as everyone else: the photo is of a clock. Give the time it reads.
1:06
